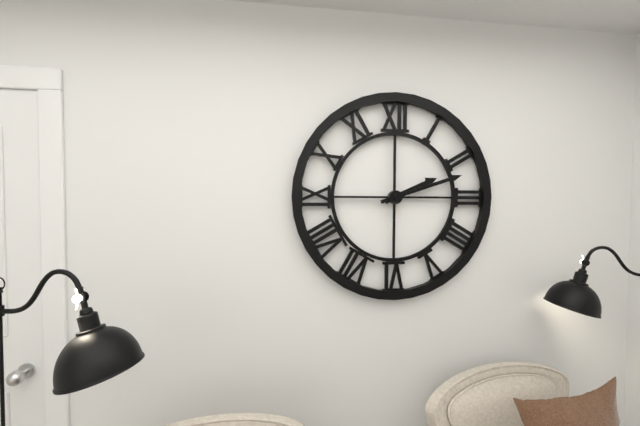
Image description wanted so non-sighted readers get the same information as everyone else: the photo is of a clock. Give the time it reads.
2:12
